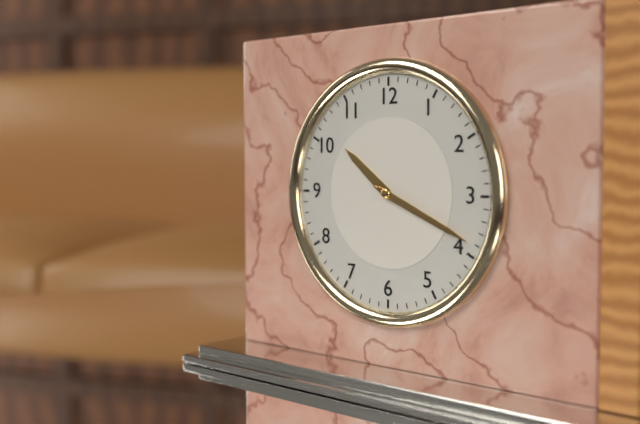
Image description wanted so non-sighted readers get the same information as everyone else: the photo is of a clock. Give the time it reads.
10:19
